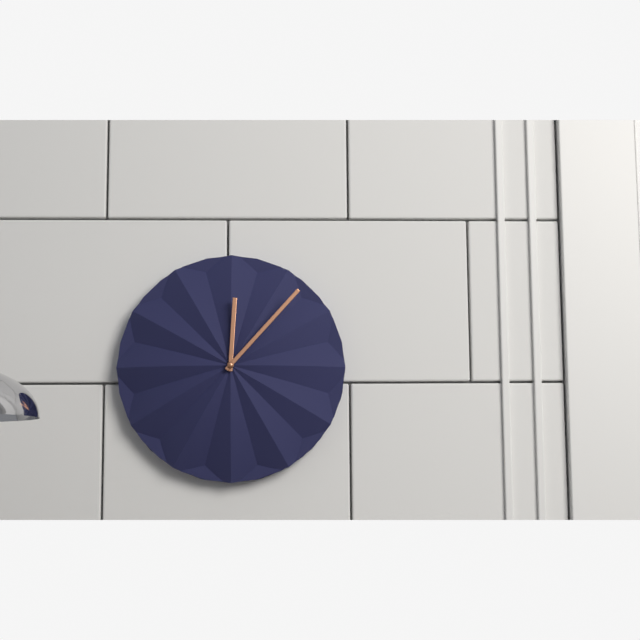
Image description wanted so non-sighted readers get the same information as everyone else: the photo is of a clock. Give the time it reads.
12:07
